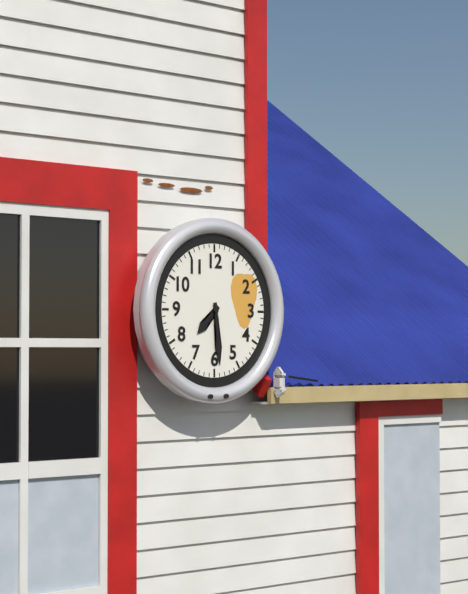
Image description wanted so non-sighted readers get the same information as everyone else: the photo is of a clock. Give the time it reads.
7:29
